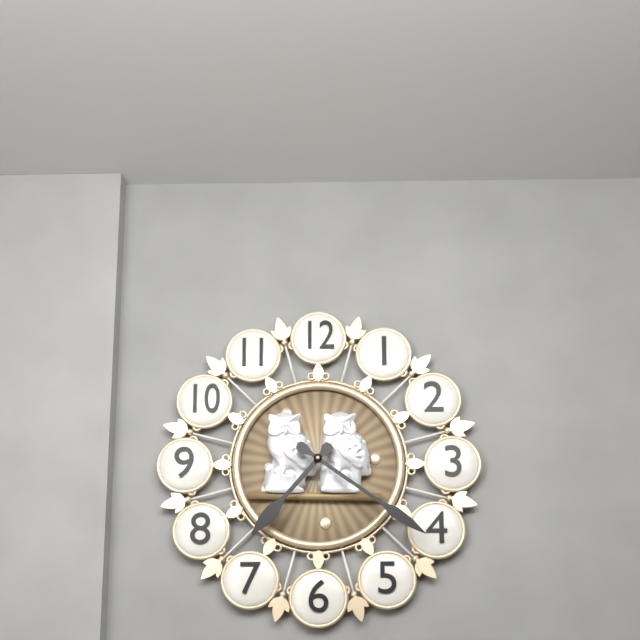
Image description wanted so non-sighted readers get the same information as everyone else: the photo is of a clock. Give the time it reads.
7:21
